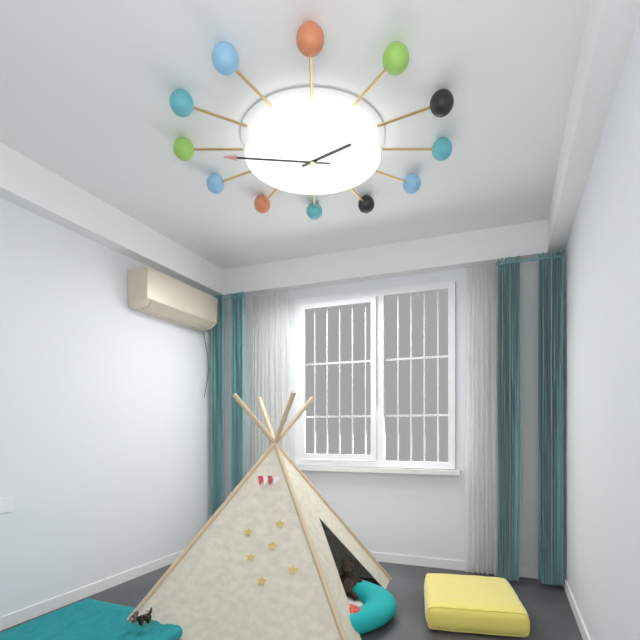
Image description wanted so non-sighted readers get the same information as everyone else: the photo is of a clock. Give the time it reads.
1:46
